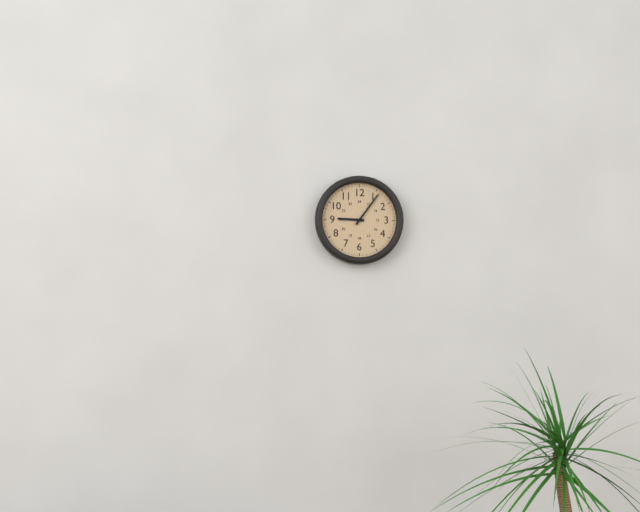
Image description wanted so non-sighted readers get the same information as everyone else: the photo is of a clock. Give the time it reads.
9:06
